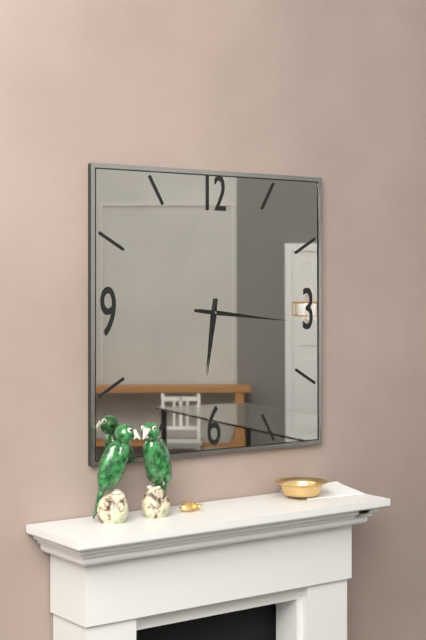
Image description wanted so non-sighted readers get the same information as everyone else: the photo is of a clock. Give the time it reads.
6:16
